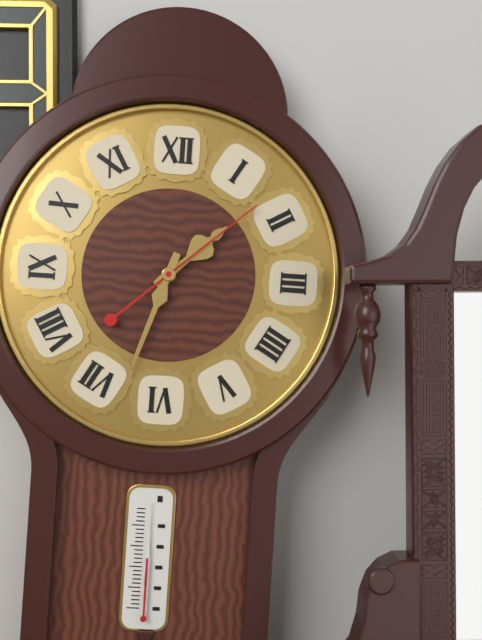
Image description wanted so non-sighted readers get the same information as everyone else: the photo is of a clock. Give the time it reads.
1:33:08
